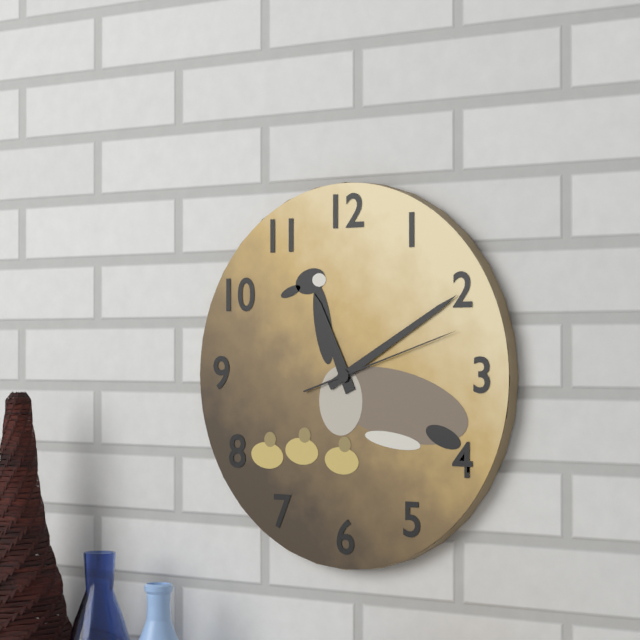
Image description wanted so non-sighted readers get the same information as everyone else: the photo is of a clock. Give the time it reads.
11:10:12
